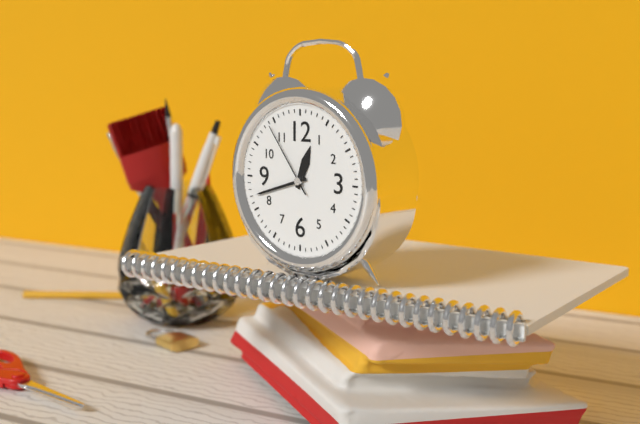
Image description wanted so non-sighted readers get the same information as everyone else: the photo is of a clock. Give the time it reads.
12:42:54
